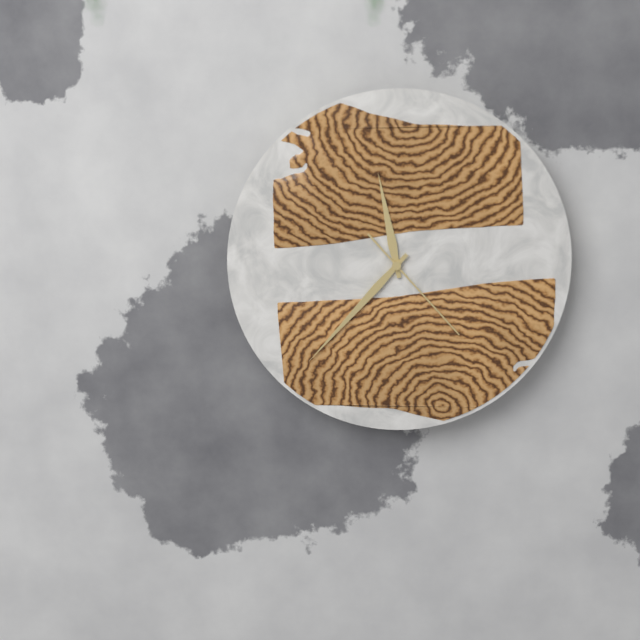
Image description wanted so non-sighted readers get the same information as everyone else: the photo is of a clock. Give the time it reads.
11:37:23
